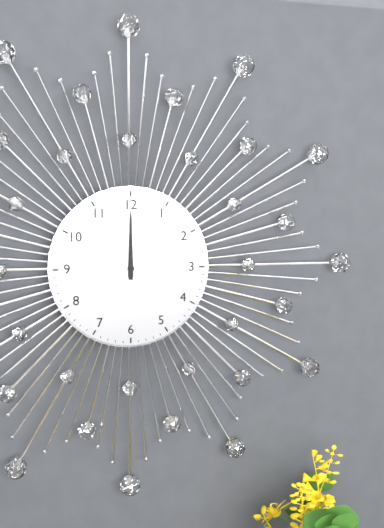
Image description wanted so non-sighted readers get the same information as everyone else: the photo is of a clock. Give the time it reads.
12:00
